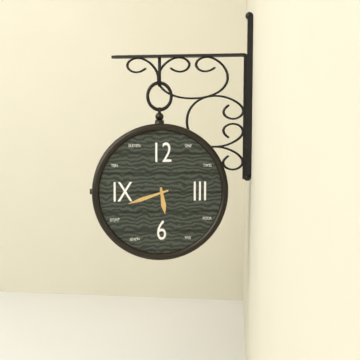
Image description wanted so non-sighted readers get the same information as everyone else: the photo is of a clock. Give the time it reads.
5:42
